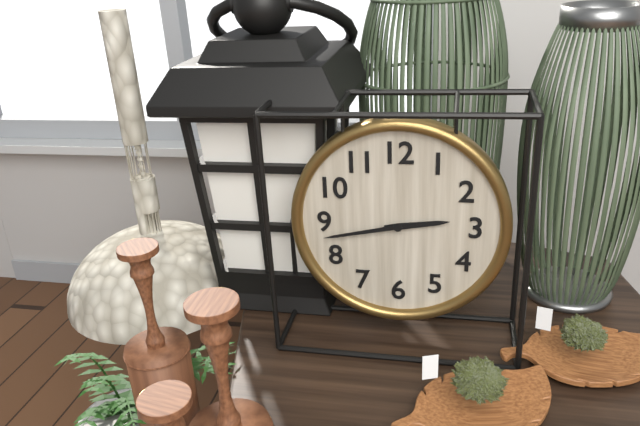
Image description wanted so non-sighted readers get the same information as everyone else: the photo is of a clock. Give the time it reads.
2:43
